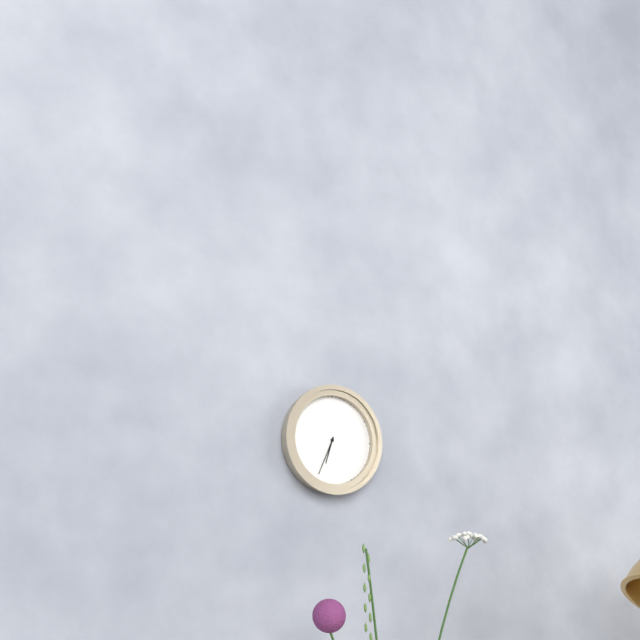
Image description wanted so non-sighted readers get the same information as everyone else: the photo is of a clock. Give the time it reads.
6:34
